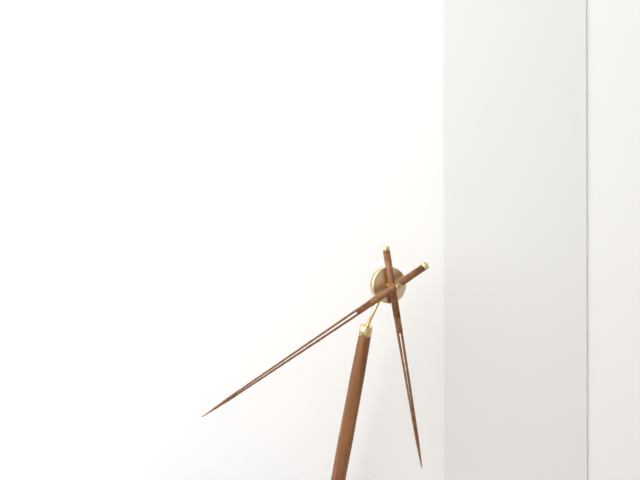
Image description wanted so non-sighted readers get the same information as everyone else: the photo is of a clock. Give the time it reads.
5:40
